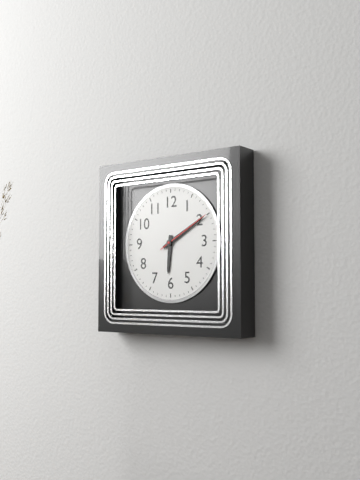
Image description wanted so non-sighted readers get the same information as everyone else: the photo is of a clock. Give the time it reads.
6:10:10
